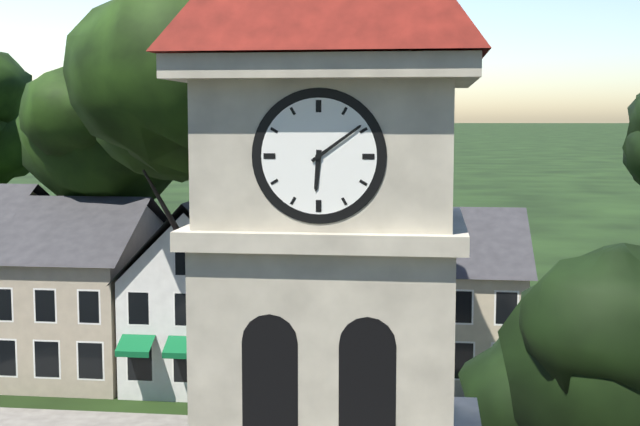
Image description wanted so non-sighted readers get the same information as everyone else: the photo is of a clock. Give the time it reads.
6:09
